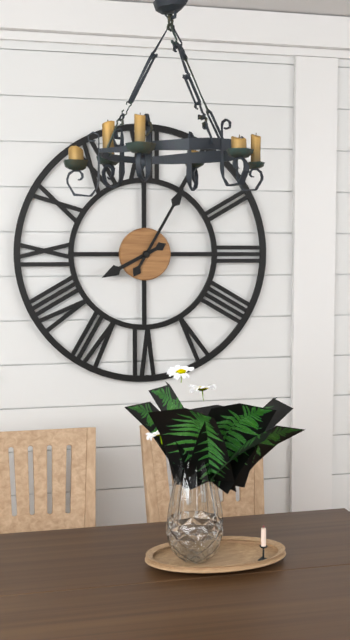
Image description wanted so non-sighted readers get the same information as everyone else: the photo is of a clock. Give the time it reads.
8:05
